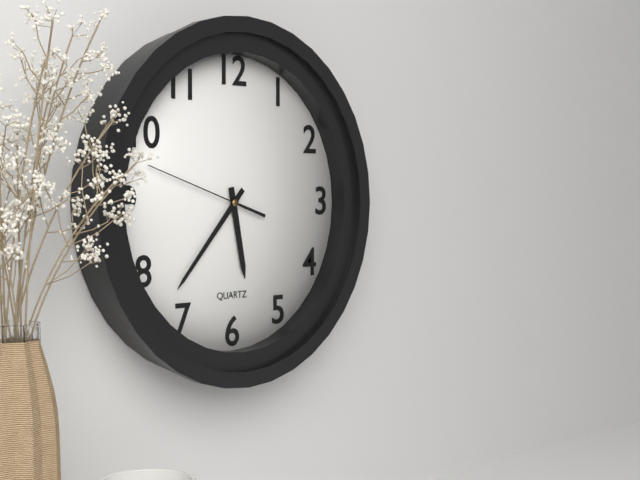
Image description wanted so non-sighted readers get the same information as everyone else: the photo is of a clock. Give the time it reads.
5:37:48
